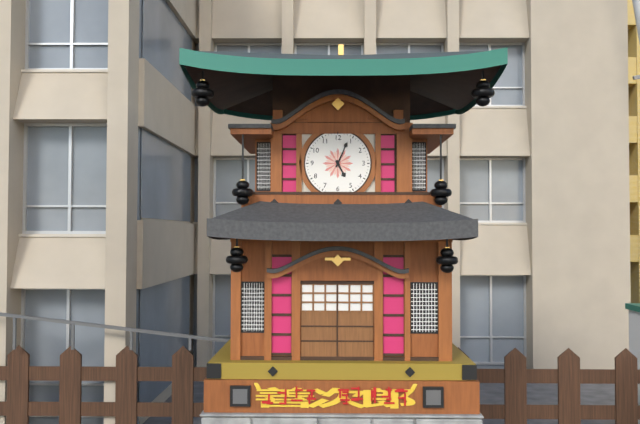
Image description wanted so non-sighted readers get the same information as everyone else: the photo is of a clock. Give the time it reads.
5:04
